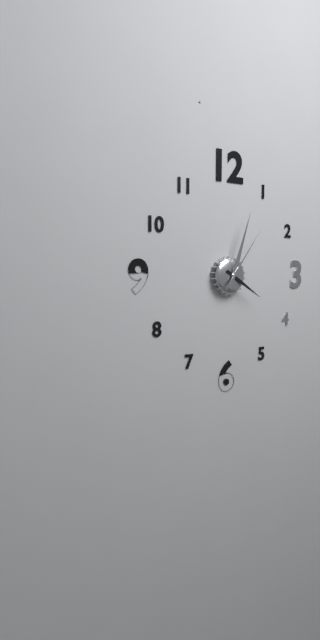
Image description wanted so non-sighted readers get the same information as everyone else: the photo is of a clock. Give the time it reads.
4:03:06
